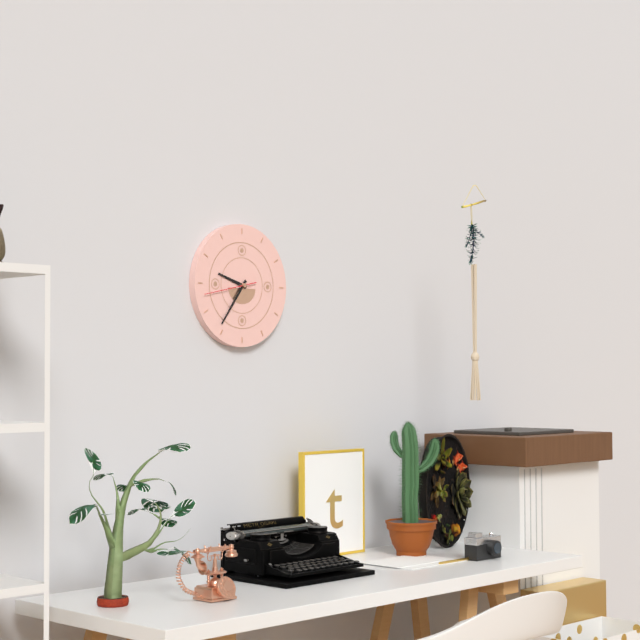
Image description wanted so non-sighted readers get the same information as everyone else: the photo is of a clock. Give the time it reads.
9:36
